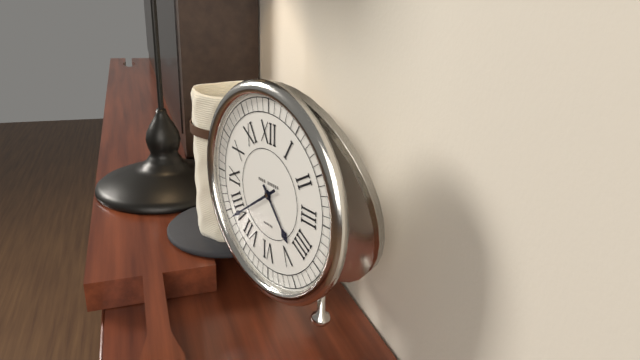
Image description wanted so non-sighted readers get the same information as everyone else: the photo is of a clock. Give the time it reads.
4:39
